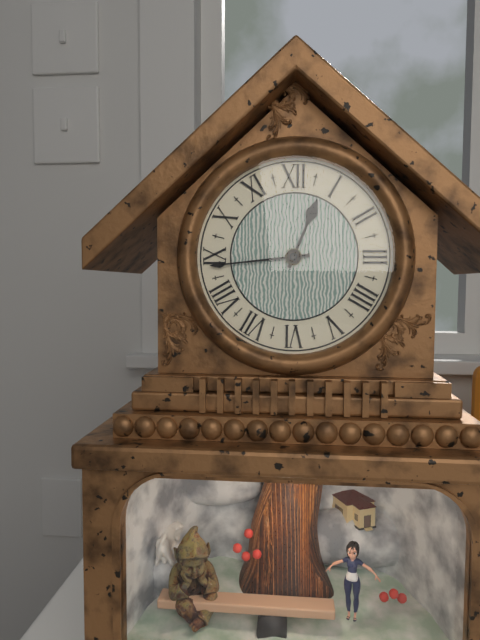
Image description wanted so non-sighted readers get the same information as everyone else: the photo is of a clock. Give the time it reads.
12:44
